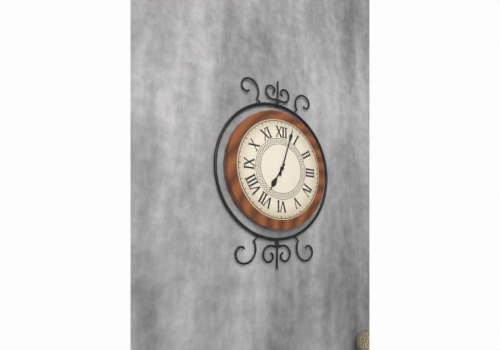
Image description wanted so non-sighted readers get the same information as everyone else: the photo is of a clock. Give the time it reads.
7:03
